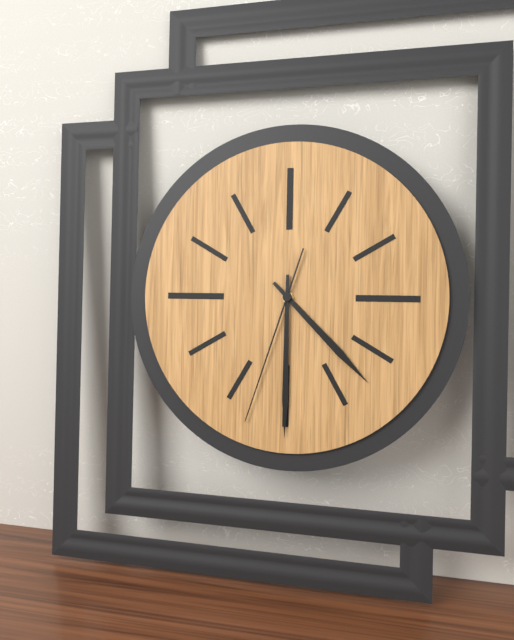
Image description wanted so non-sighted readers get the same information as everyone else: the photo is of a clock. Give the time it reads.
4:30:33
